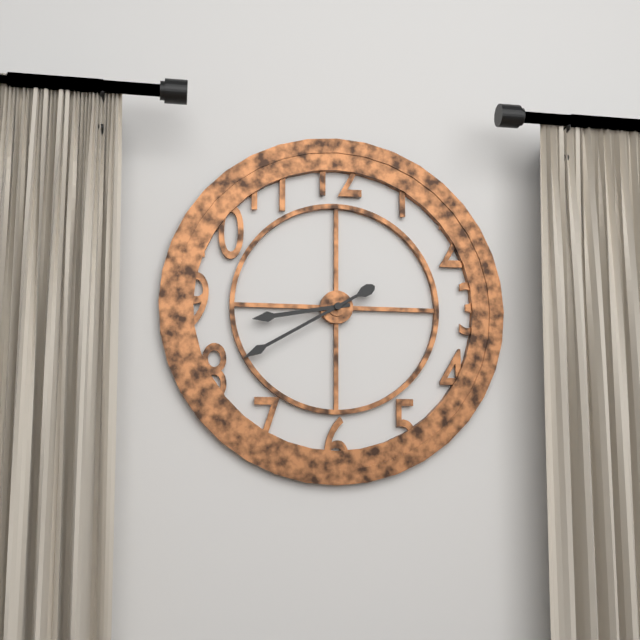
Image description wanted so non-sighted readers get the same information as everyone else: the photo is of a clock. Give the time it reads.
8:40
